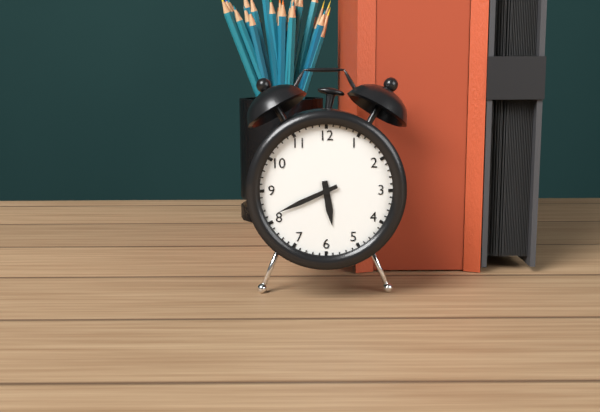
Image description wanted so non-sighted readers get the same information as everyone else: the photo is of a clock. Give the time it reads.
5:41
